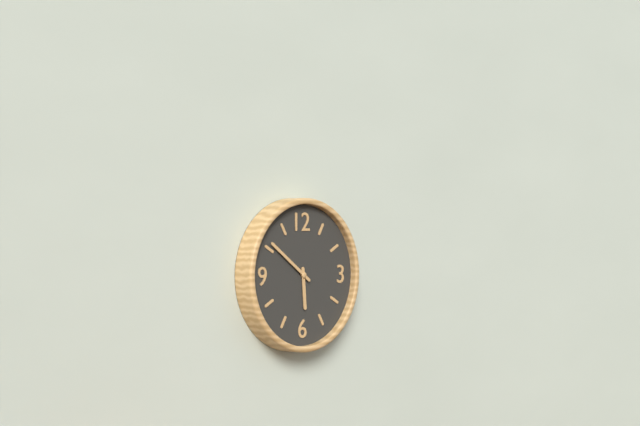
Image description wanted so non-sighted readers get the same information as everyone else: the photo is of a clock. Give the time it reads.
5:51
